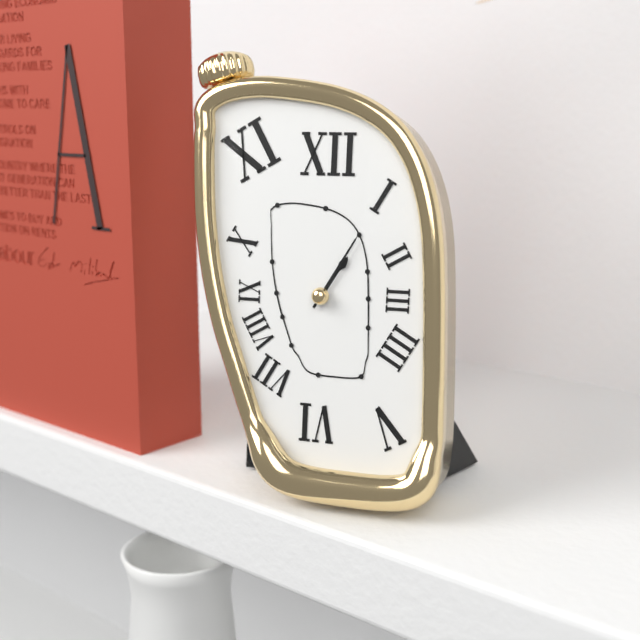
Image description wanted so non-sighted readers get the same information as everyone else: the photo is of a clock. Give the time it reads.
1:05
